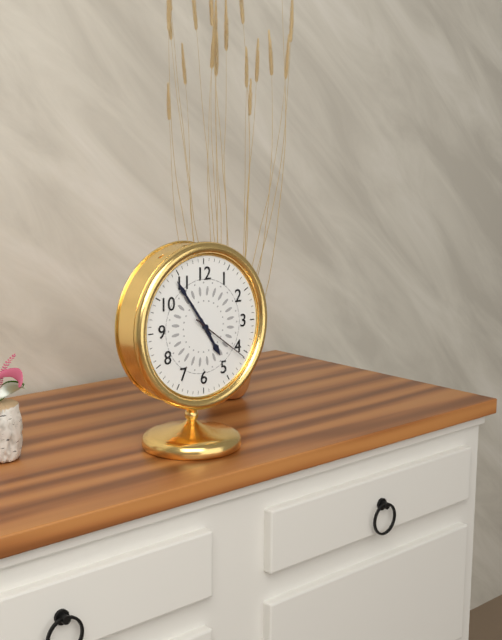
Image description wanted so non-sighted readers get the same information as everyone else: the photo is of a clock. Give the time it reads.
4:54:21
